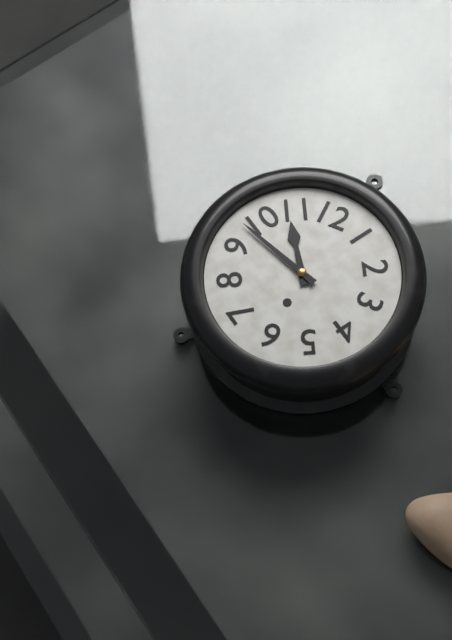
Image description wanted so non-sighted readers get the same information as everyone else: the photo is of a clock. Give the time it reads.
10:48
